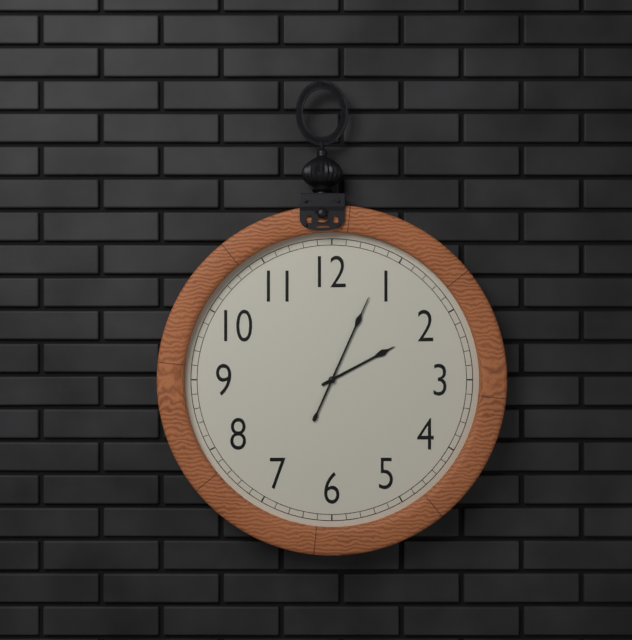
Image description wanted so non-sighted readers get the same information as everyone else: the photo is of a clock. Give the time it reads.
2:04
